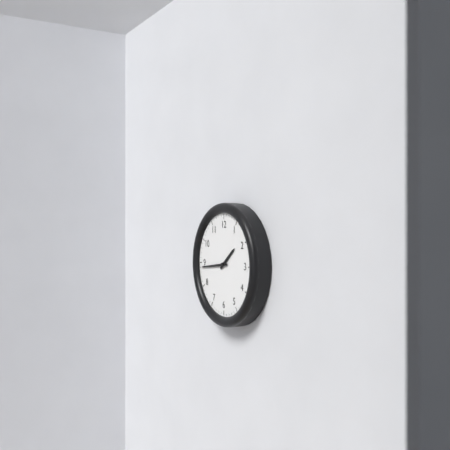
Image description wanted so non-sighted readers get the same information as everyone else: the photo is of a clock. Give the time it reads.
1:44
